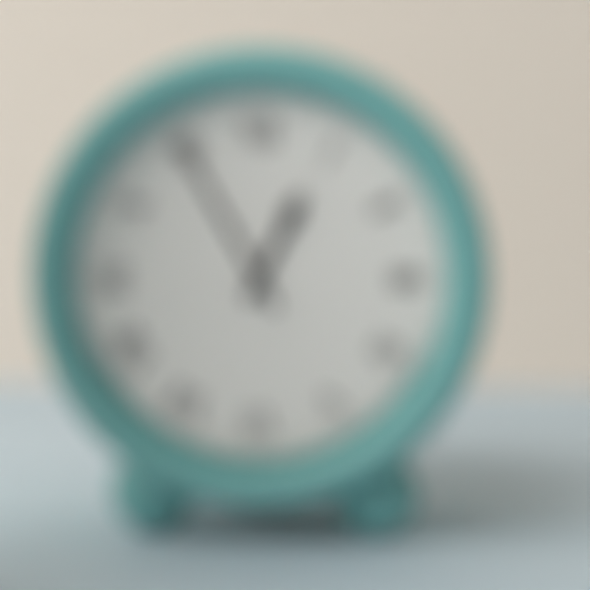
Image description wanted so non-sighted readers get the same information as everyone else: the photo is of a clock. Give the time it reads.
12:55
